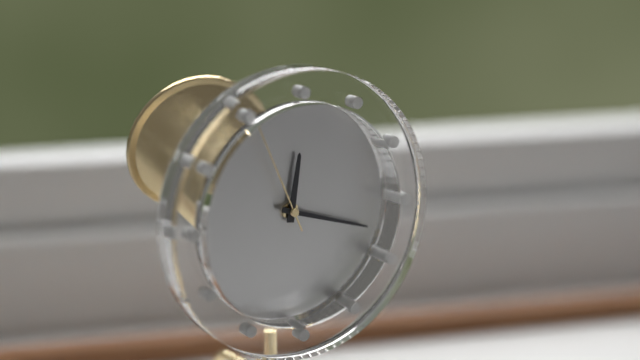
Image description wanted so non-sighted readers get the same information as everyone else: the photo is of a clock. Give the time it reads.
12:18:56
